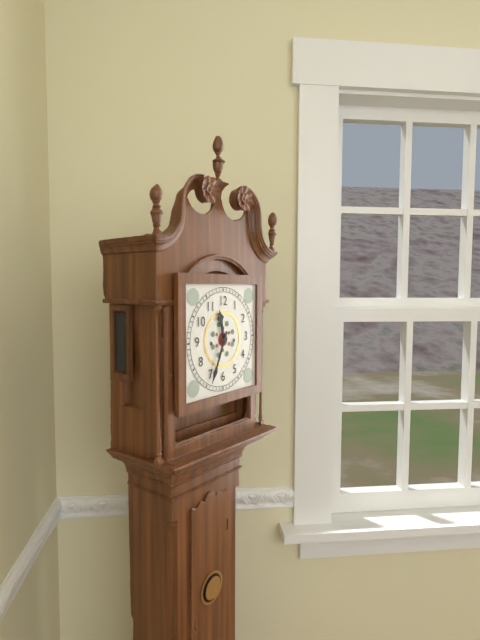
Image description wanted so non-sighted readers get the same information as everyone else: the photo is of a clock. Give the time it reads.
11:34
